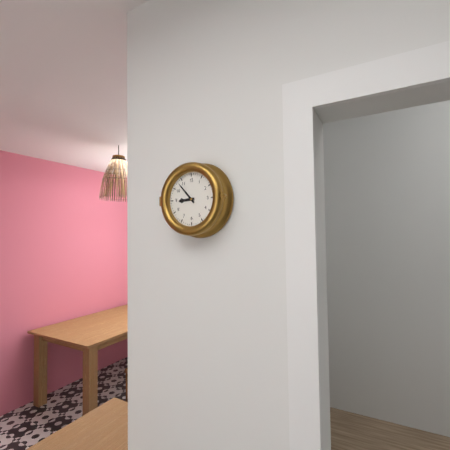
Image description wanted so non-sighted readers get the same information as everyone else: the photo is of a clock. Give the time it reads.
8:53
